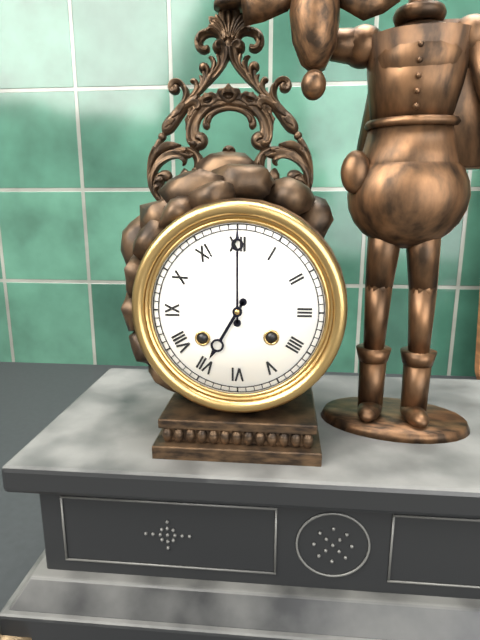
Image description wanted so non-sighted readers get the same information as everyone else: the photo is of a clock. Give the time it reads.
7:00
